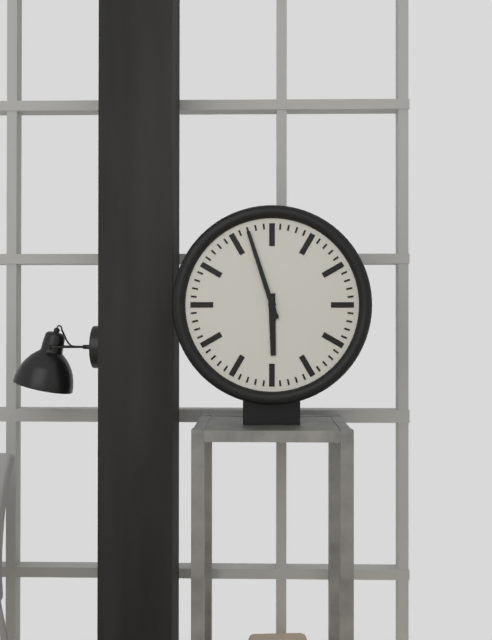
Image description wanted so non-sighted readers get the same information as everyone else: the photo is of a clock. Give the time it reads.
5:57
